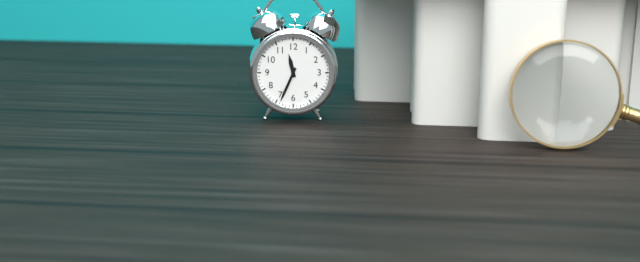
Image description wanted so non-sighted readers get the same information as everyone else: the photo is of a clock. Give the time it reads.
11:34
